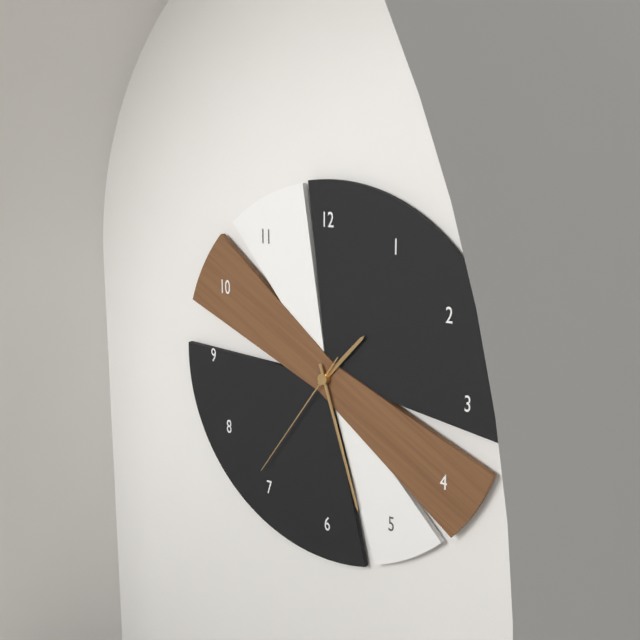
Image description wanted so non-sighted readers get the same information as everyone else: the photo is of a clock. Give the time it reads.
1:27:36
